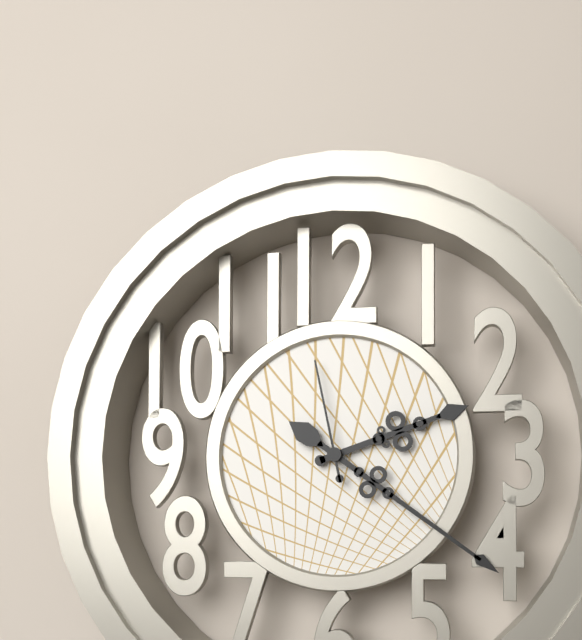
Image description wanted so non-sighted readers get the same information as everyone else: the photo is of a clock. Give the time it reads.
2:21:58
